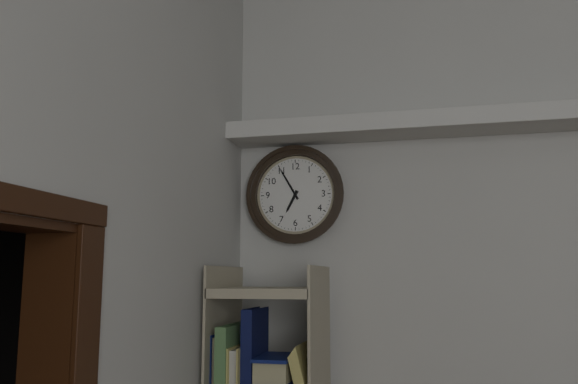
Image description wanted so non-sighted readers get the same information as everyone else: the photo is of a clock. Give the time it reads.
6:55
